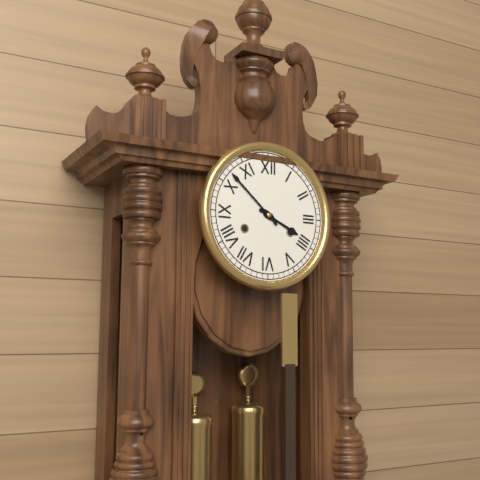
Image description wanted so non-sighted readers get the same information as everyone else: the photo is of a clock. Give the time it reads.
3:52
